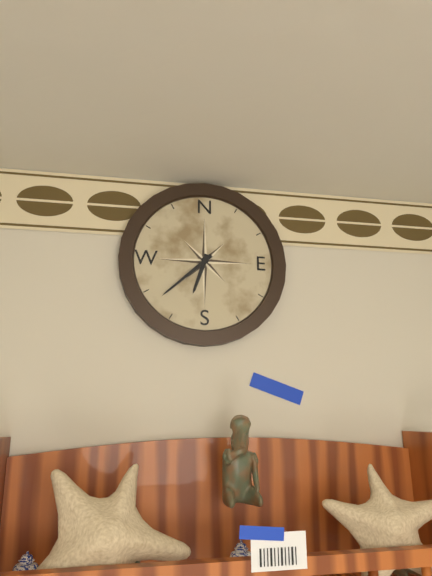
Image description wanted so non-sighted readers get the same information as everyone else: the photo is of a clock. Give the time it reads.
6:38
